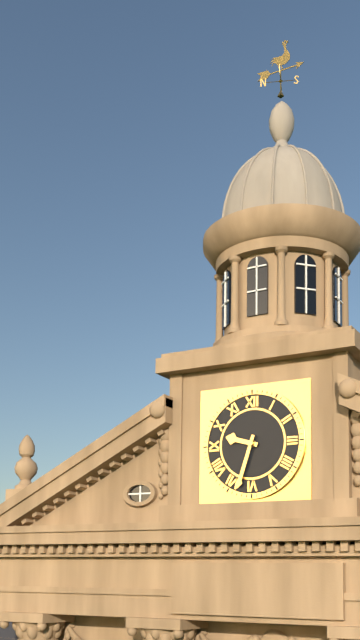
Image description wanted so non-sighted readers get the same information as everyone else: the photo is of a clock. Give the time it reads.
9:33
